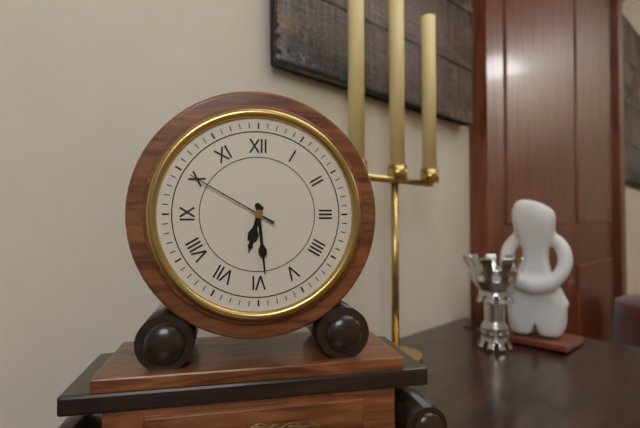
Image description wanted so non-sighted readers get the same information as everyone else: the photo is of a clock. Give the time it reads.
6:29:50
